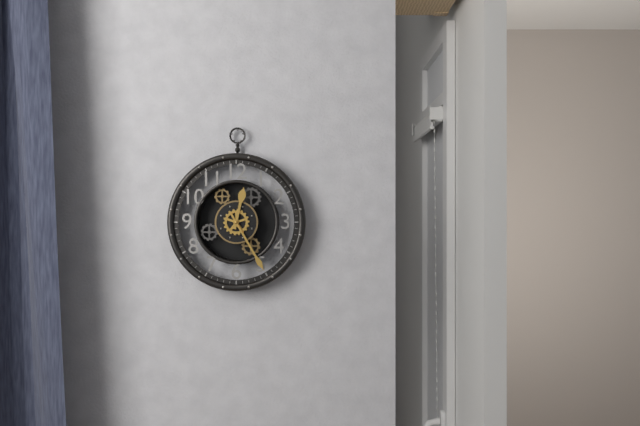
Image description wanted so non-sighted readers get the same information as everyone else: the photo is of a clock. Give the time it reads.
12:25
